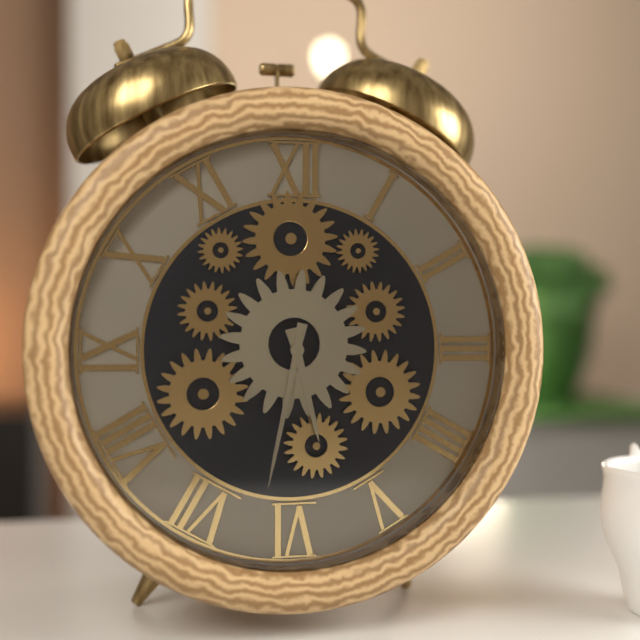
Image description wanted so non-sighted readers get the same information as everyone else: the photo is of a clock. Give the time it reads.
5:32
